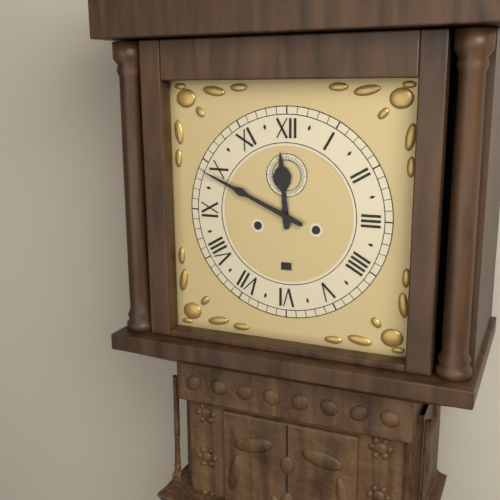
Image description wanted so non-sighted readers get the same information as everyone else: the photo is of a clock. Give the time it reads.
11:49
